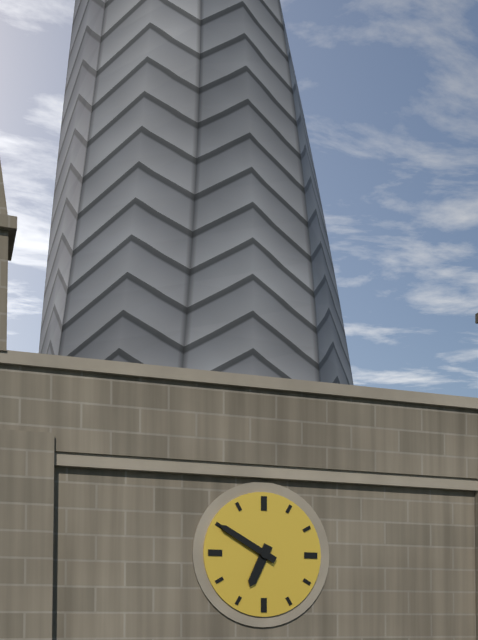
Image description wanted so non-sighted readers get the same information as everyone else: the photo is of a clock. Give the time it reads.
6:50
